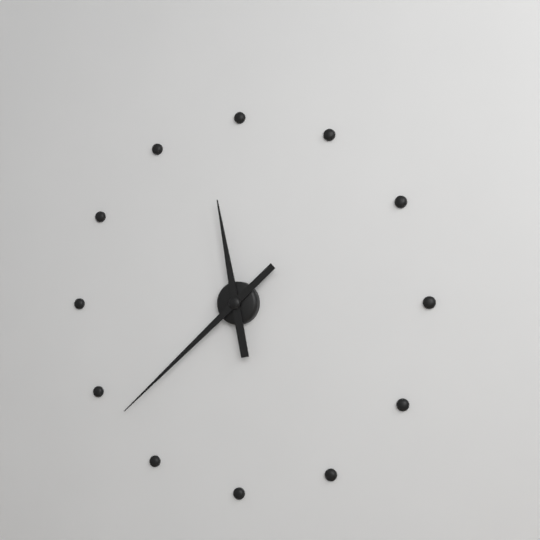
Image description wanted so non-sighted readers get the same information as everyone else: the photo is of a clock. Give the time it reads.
11:38
